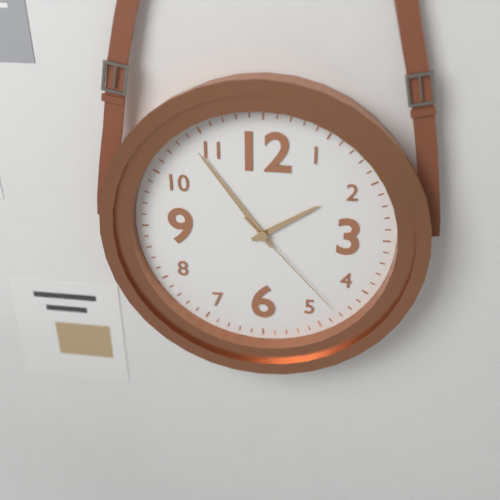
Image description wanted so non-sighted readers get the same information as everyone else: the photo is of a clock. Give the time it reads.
1:54:23
